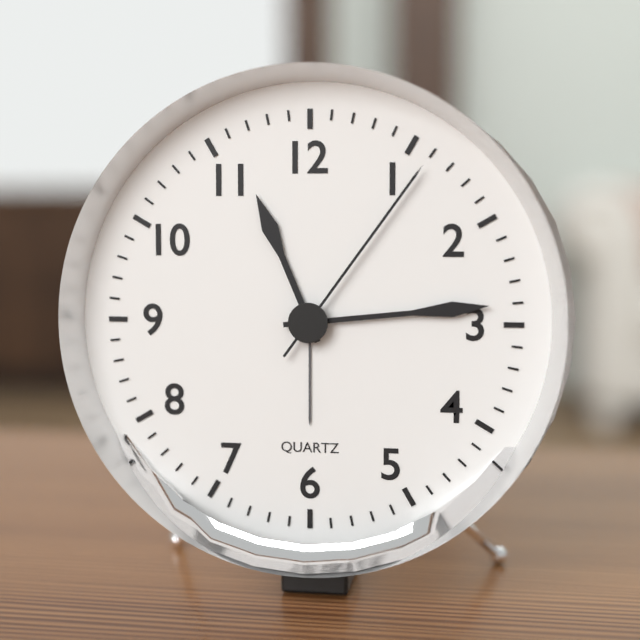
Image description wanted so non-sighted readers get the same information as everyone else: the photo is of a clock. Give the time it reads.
11:14:06
